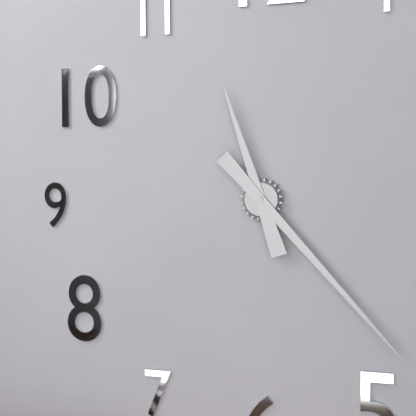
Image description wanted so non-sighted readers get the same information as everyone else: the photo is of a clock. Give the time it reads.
11:23
